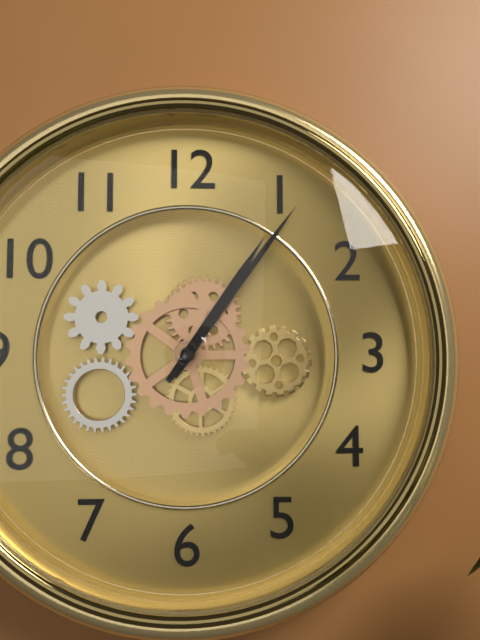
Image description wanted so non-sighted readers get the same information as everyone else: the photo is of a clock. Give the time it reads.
1:06
